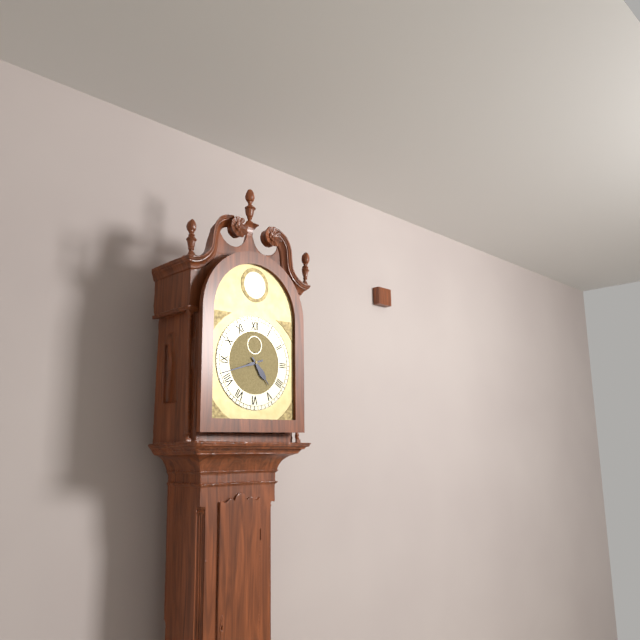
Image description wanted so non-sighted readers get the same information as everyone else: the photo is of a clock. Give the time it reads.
4:42
